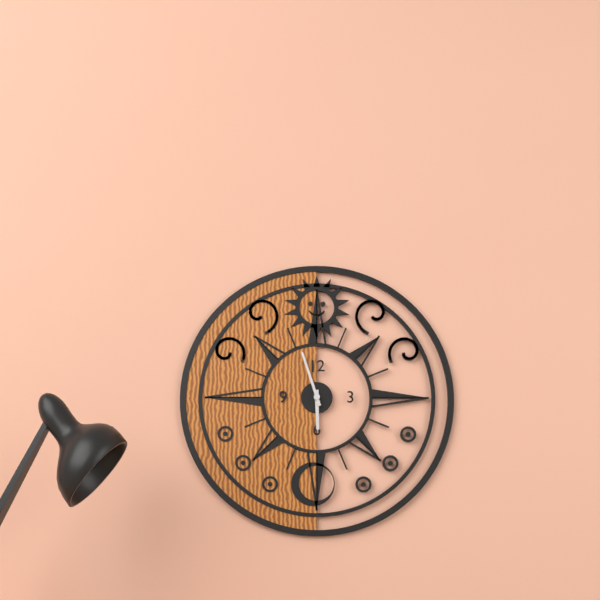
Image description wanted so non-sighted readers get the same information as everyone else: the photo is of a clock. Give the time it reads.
5:57
